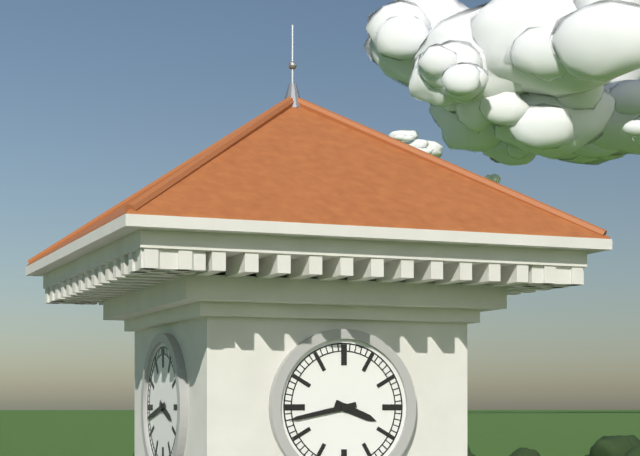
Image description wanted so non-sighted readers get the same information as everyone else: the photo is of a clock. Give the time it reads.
3:43
